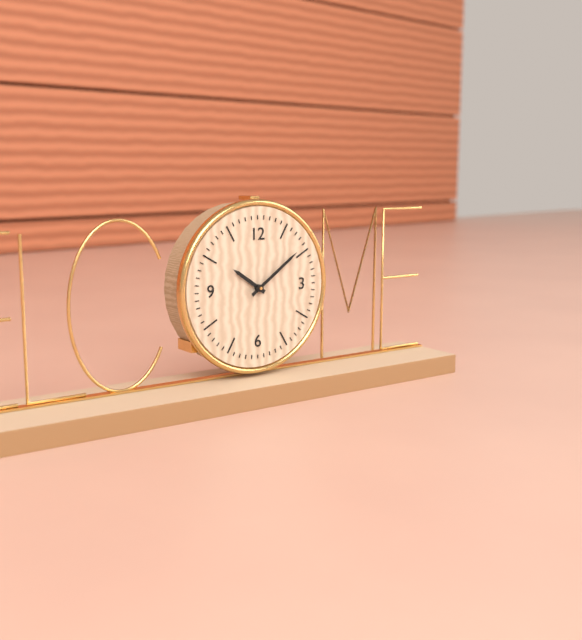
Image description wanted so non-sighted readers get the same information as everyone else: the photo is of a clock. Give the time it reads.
10:09
